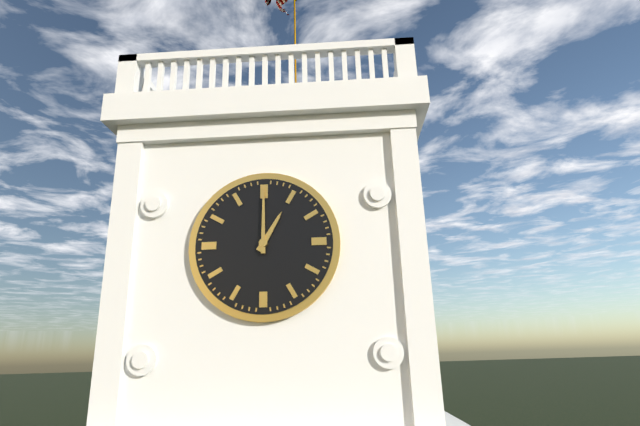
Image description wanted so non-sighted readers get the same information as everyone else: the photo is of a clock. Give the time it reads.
1:00
